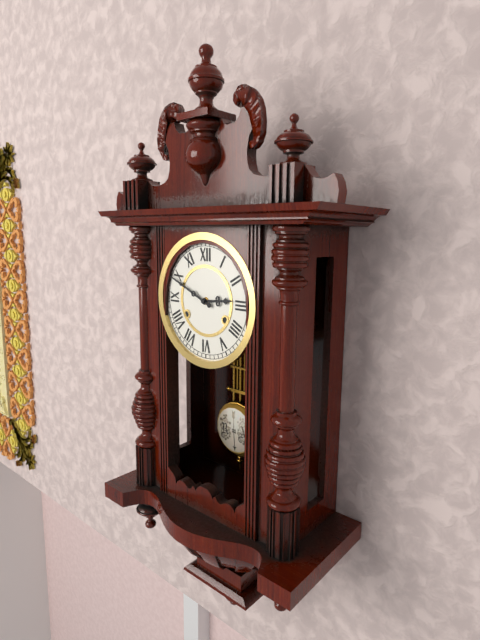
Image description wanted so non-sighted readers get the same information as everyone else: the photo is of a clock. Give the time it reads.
2:49
